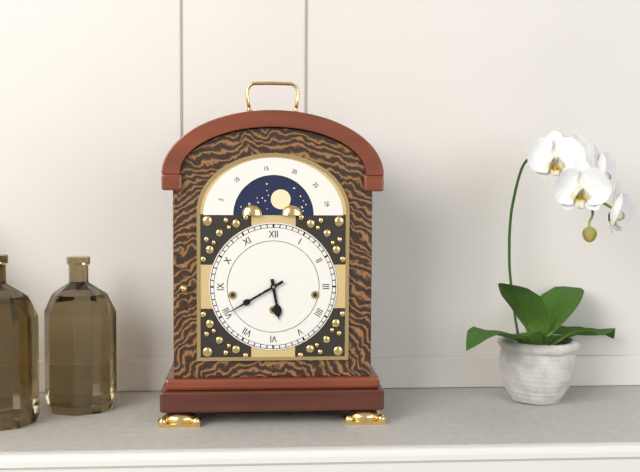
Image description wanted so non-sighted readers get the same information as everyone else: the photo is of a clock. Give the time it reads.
5:40
